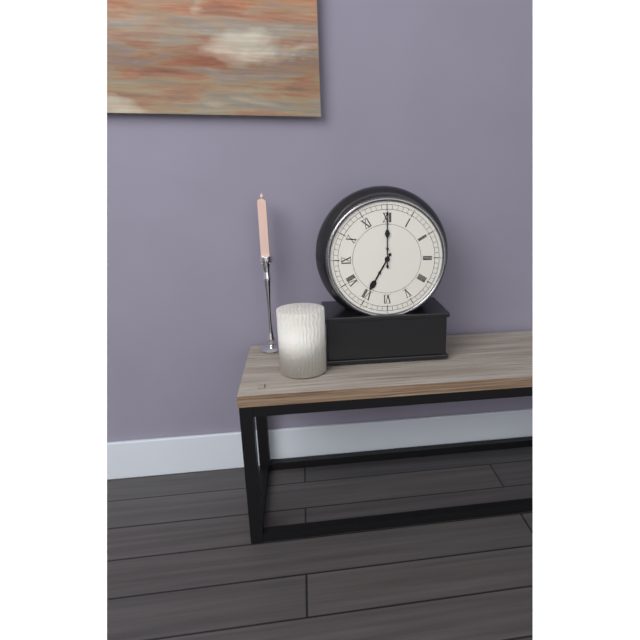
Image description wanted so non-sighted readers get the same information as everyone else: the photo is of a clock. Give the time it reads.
7:00
